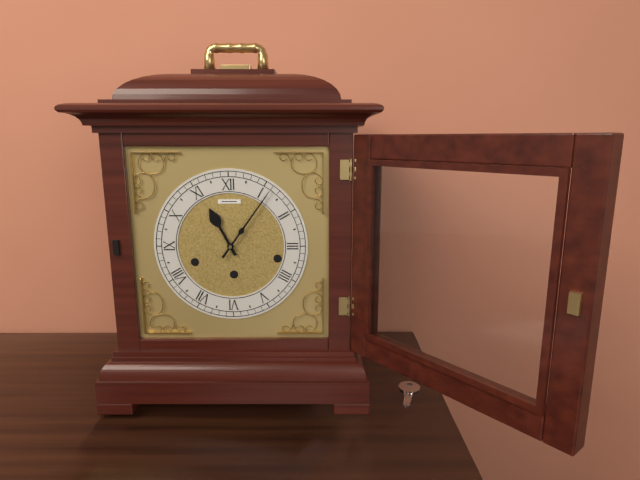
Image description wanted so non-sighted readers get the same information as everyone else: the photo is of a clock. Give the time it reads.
11:06
